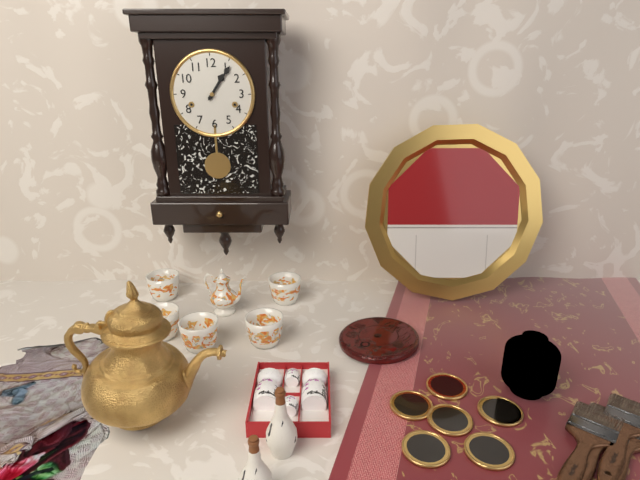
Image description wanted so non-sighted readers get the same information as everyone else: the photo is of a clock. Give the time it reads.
1:06
